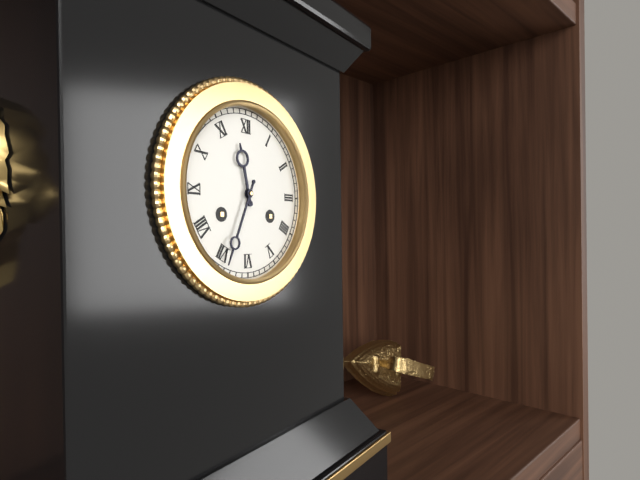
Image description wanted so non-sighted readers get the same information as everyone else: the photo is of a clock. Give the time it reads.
11:34
